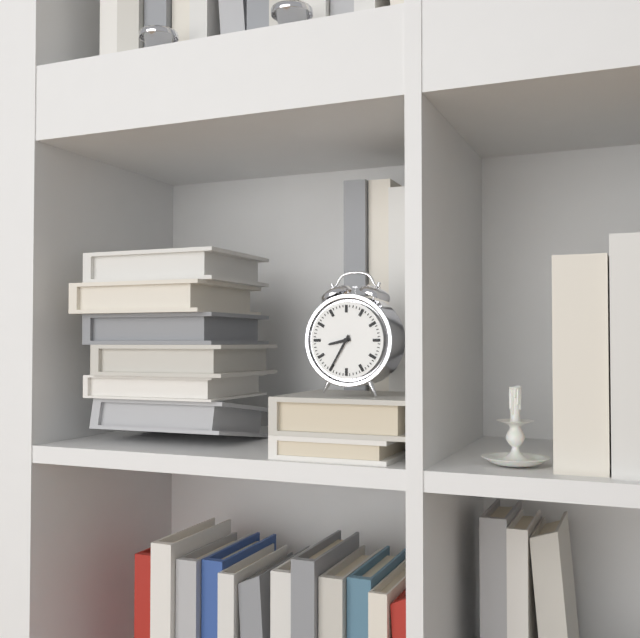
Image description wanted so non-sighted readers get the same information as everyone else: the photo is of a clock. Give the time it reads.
8:35
